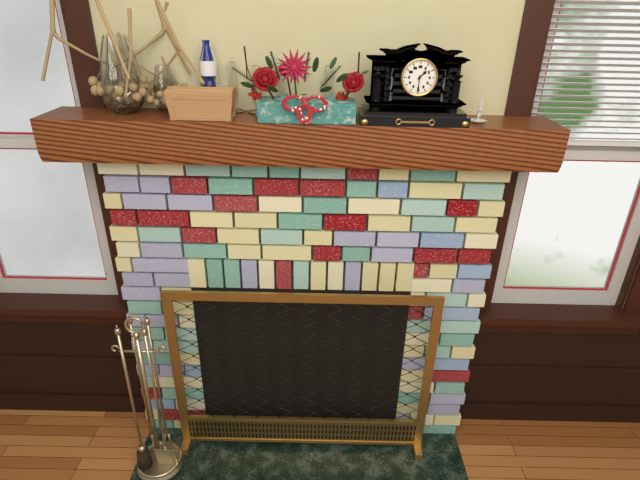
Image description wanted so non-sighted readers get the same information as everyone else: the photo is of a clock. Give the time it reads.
1:30
